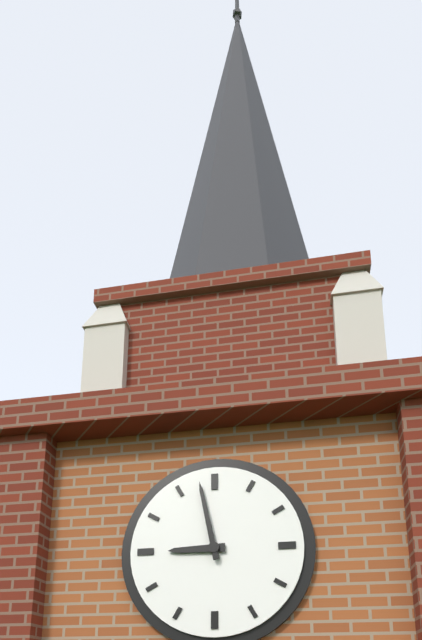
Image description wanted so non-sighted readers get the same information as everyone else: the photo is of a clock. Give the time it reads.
8:58
